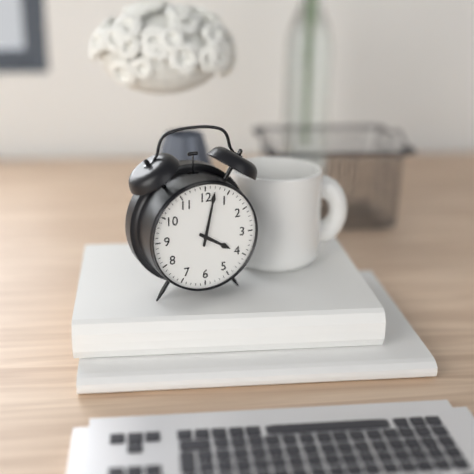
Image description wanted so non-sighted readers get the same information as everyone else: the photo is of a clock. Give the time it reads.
4:02
